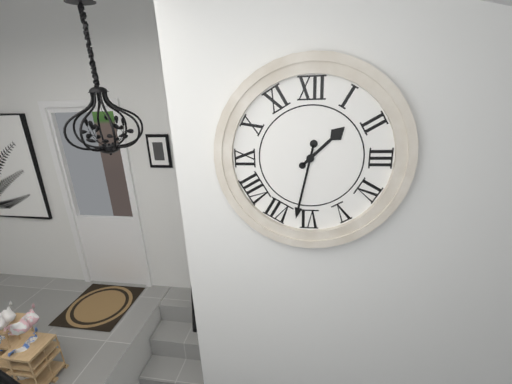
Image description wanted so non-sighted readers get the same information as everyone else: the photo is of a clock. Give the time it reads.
1:32
